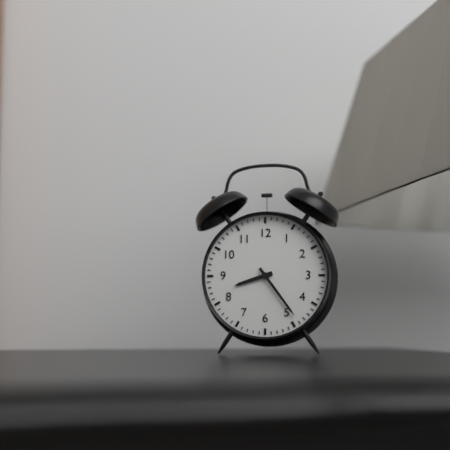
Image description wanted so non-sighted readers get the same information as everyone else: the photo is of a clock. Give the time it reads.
8:24
